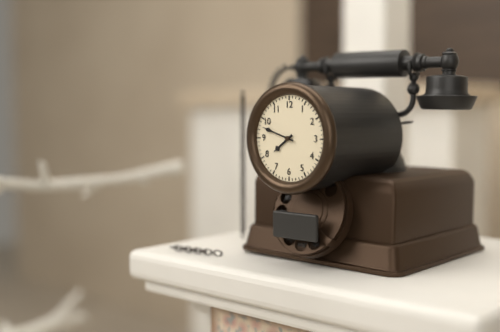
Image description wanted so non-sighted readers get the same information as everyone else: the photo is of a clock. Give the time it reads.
7:48
